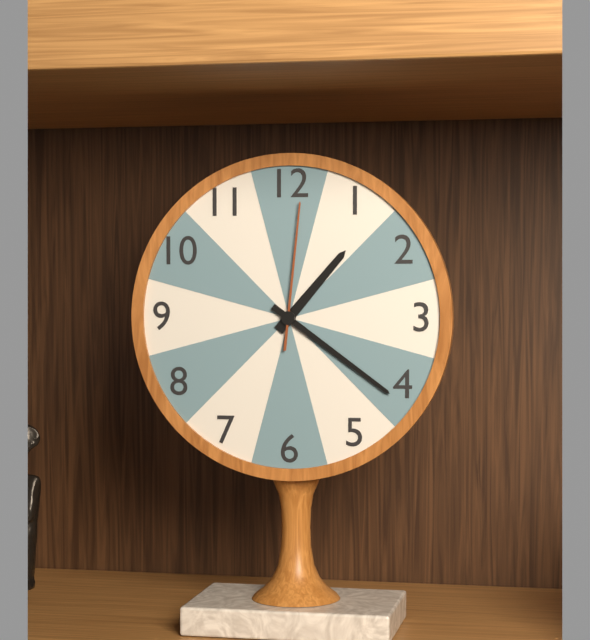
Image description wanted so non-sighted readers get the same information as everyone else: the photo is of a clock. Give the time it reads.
1:21:01
